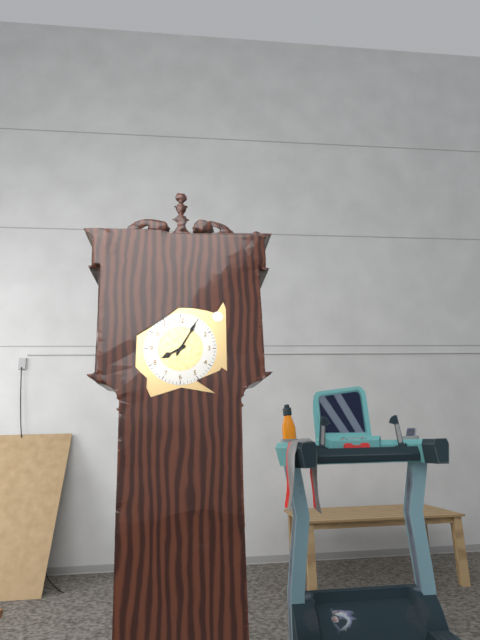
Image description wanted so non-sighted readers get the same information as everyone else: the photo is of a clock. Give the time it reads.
8:05
